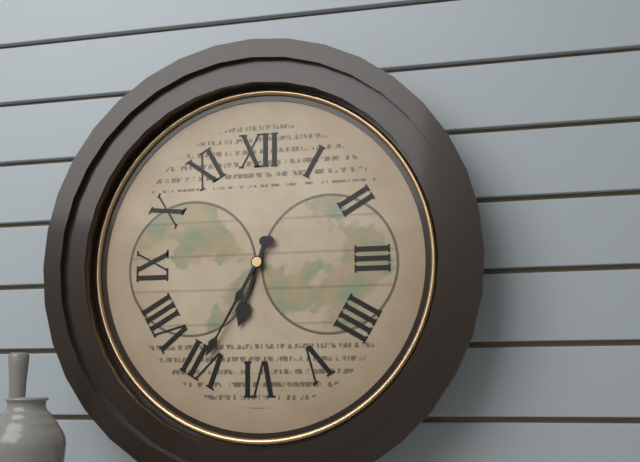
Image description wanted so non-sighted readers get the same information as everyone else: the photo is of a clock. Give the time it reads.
6:35
